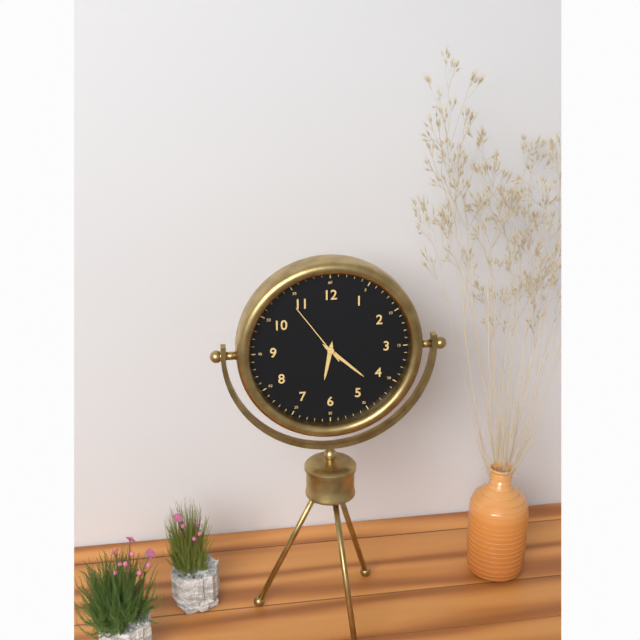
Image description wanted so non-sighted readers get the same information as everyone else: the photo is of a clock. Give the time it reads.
6:22:54
